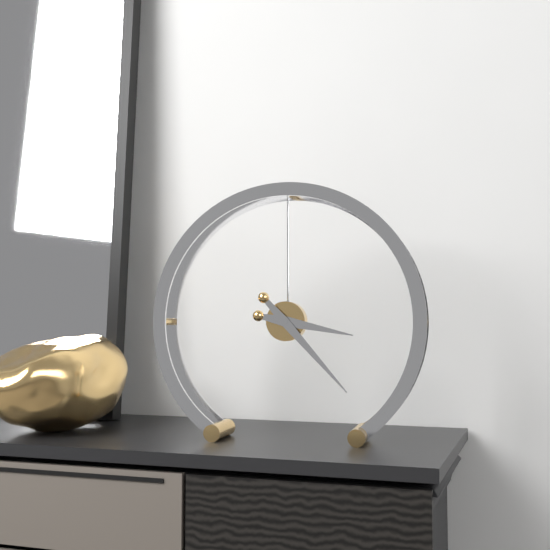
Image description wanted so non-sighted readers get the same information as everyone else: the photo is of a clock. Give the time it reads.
3:23
